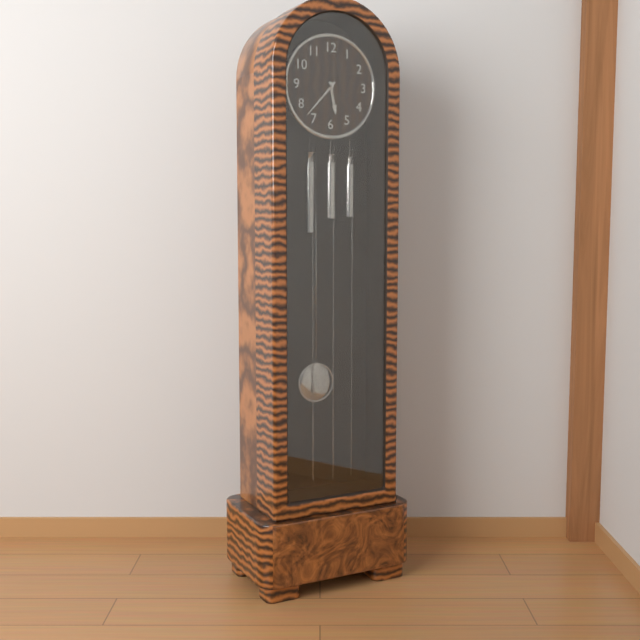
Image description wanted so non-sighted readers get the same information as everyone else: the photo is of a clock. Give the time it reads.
5:37
